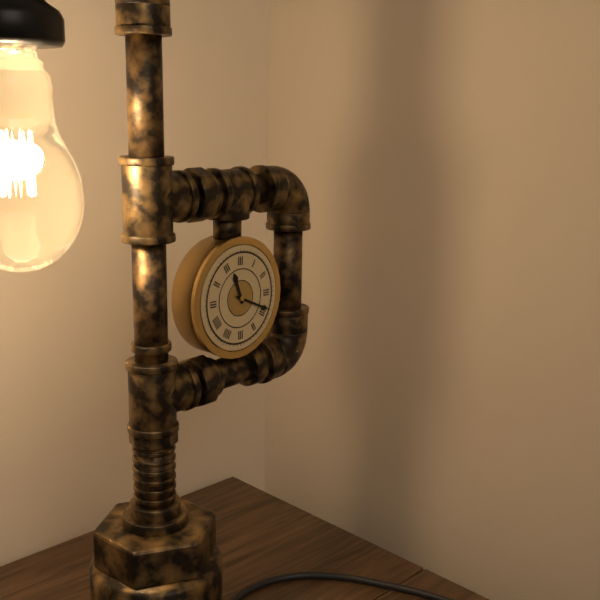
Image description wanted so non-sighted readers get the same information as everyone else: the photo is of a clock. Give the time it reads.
11:19
